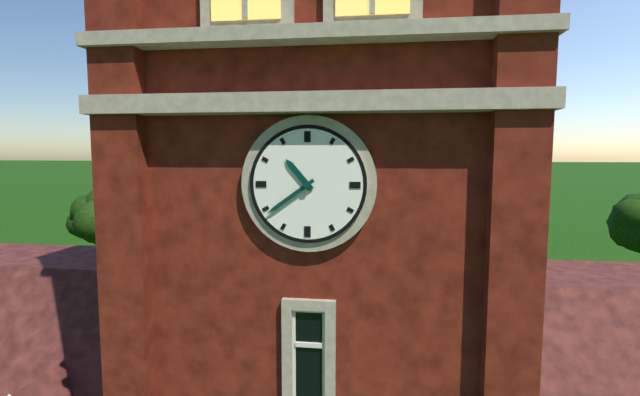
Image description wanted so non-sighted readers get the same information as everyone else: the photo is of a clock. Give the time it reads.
10:39
